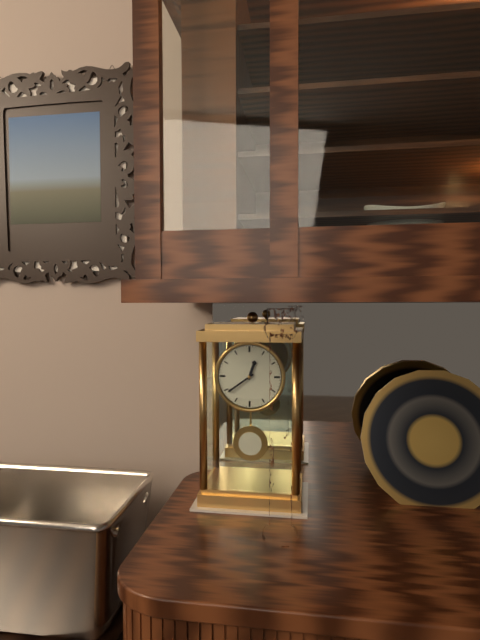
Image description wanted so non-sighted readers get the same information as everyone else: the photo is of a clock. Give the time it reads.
12:39
